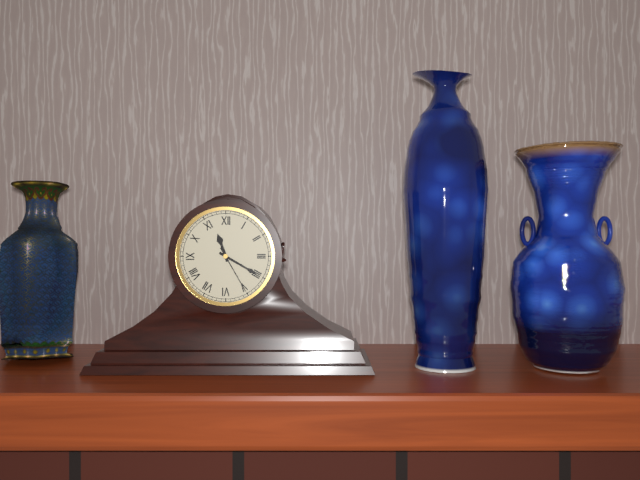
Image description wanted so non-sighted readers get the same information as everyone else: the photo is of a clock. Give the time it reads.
11:20:25
